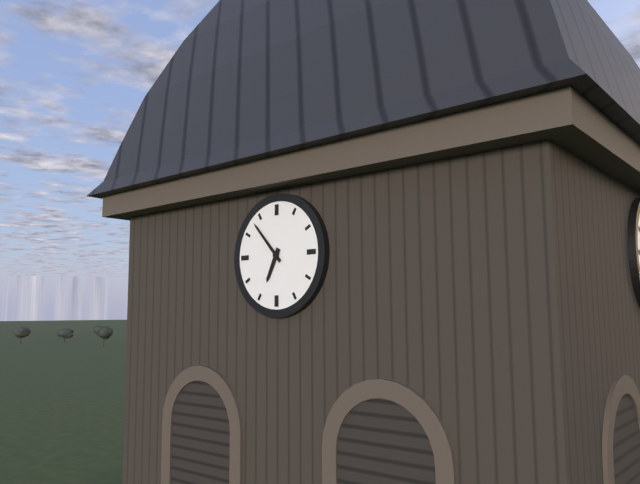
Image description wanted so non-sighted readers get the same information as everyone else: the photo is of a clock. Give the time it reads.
6:53
